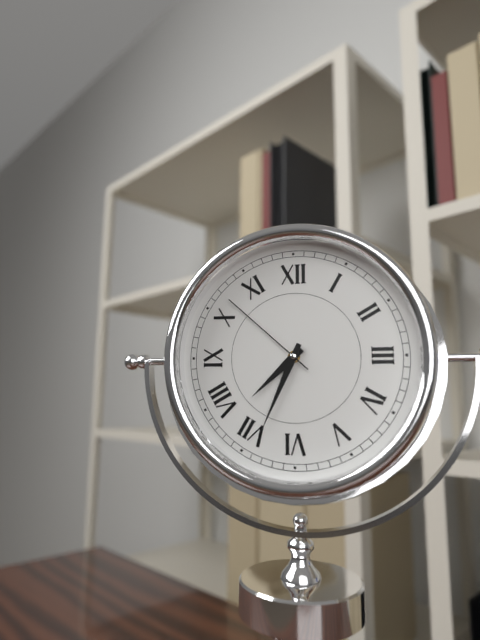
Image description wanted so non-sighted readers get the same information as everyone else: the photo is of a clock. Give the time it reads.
7:34:52
